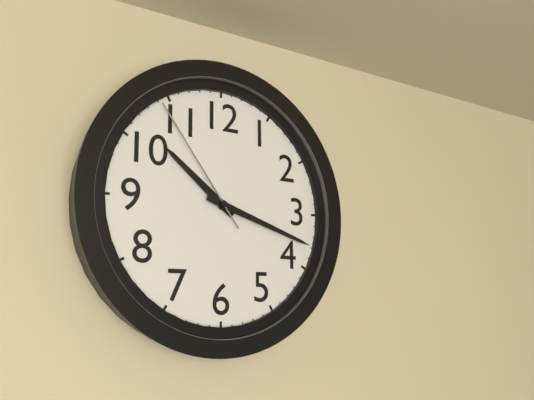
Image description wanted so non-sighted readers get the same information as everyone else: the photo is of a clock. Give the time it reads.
10:18:54
